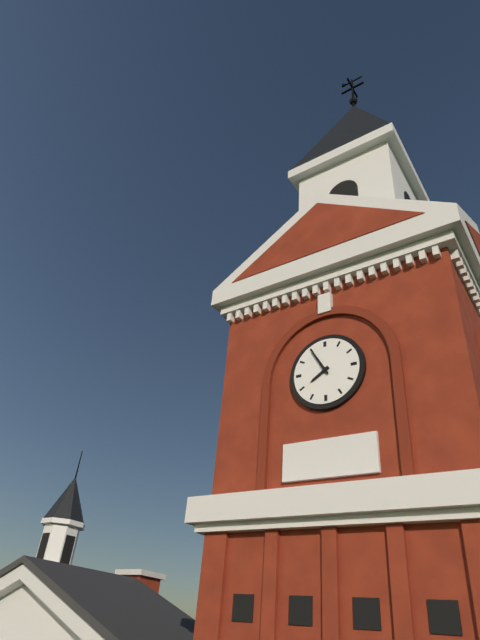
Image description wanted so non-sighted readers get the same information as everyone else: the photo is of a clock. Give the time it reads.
7:55
